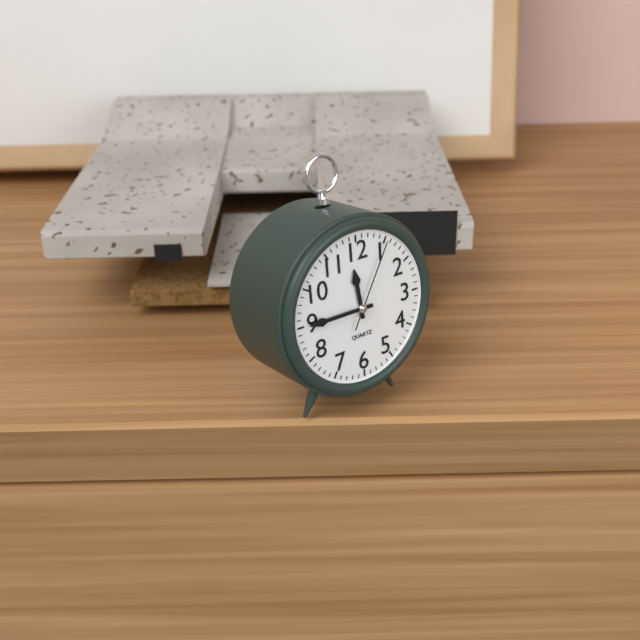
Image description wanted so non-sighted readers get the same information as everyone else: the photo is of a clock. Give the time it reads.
11:45:05
